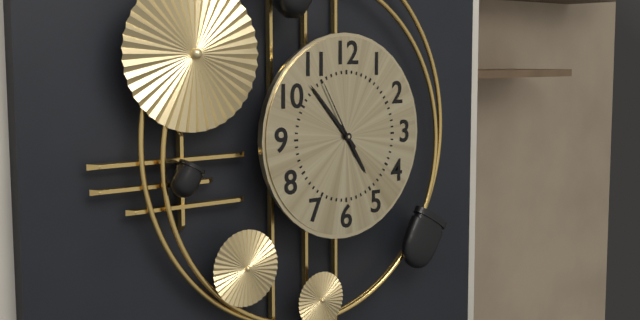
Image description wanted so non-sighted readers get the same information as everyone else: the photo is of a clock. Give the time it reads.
4:53:55
